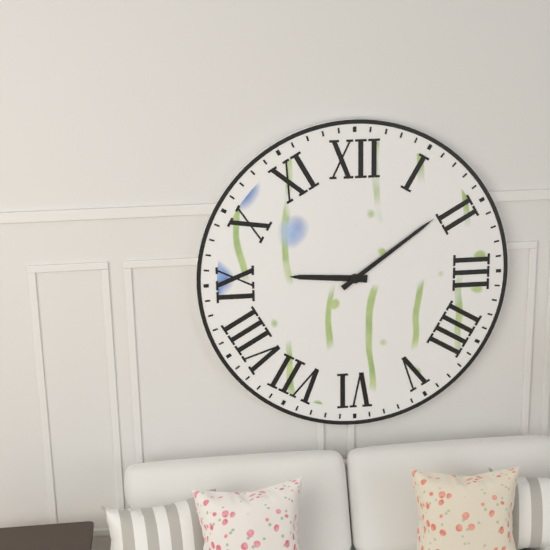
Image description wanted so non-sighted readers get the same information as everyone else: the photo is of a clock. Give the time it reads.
9:09
